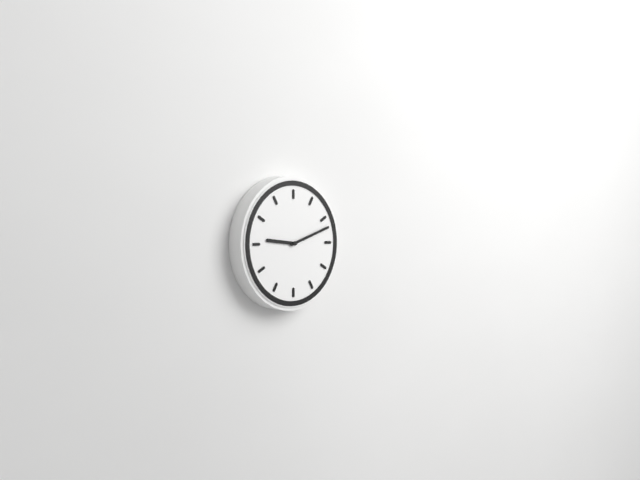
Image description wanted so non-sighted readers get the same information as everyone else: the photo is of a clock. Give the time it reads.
9:12
